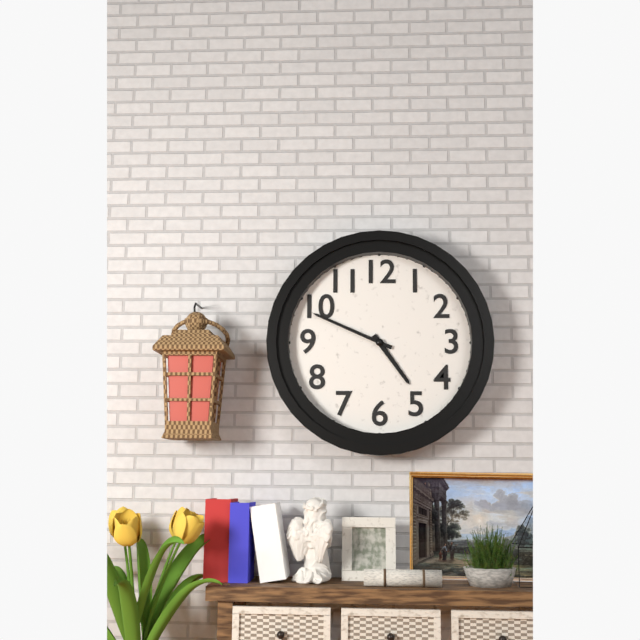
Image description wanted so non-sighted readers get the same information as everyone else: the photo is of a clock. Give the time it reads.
4:49
